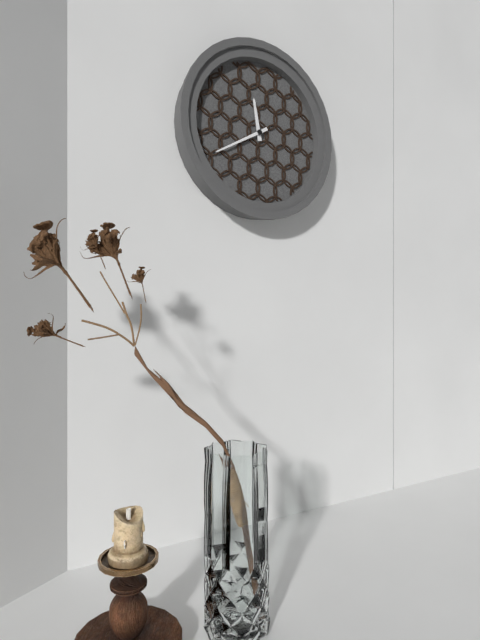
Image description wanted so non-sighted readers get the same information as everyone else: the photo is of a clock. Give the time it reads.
11:40
